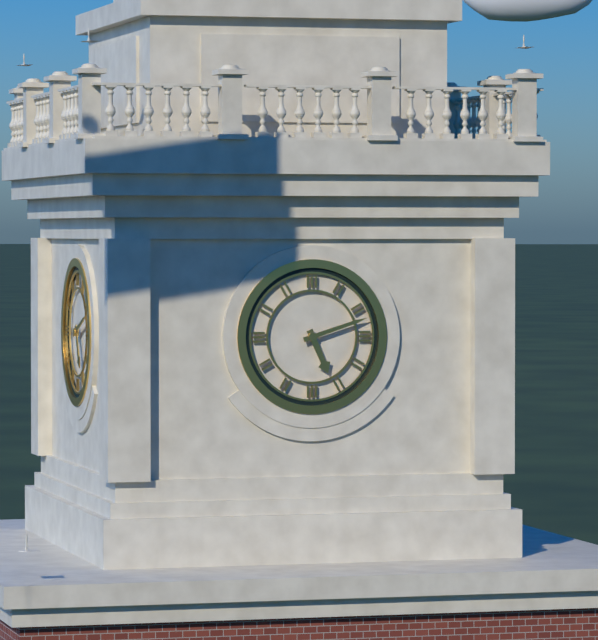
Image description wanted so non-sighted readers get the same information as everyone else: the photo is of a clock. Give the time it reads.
5:12
